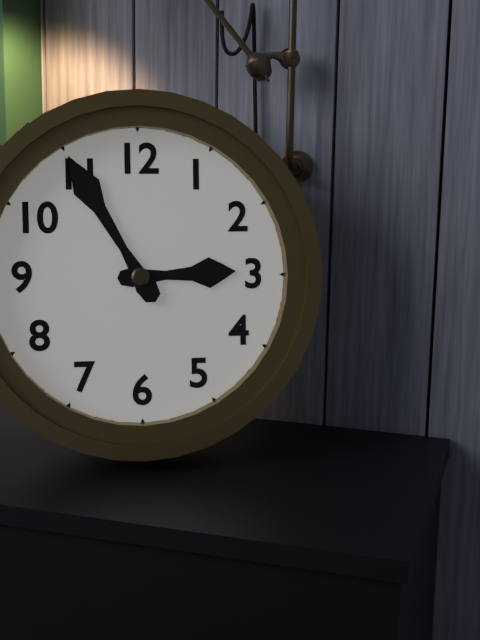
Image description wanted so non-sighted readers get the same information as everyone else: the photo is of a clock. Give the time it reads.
2:55
